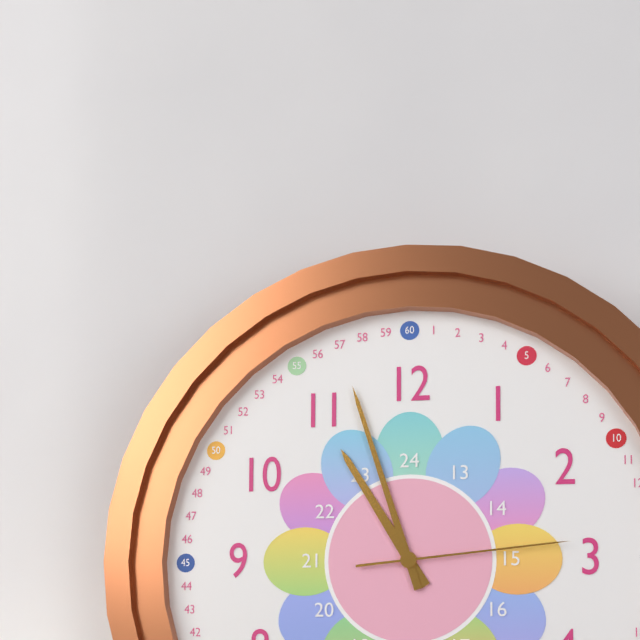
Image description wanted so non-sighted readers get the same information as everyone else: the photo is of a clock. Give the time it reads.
10:57:14
